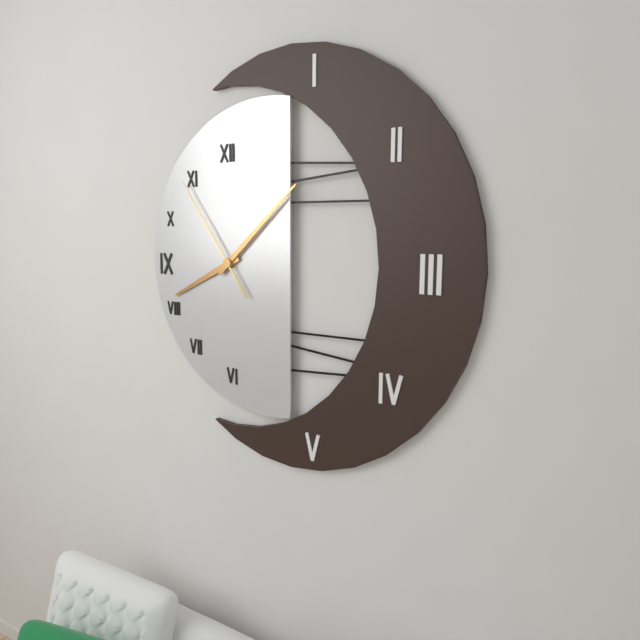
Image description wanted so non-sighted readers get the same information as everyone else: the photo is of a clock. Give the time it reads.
8:08:54
